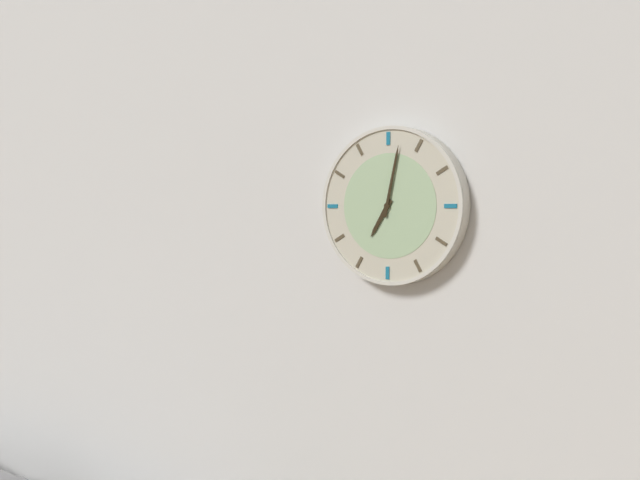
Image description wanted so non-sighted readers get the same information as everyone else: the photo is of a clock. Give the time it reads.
7:02
